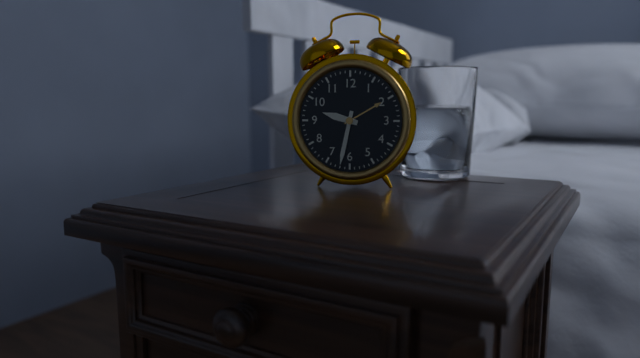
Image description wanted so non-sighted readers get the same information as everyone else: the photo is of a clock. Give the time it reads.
9:32
